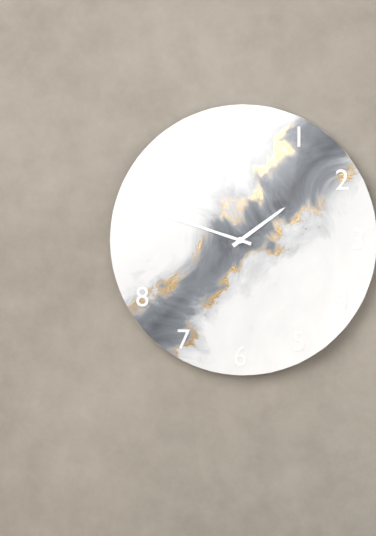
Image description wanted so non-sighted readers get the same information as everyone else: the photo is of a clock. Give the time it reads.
1:48
